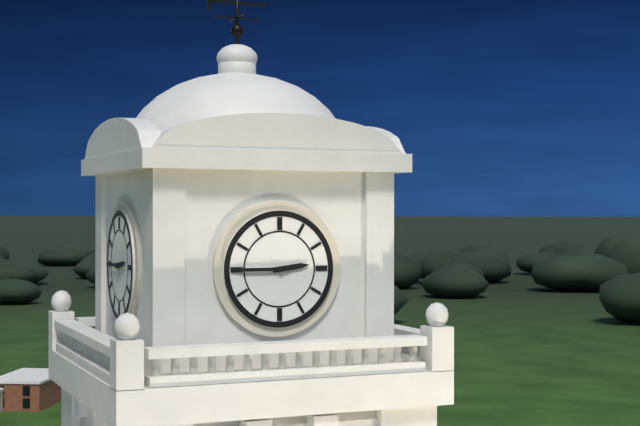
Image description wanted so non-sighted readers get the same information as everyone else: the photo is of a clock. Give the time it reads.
2:45
